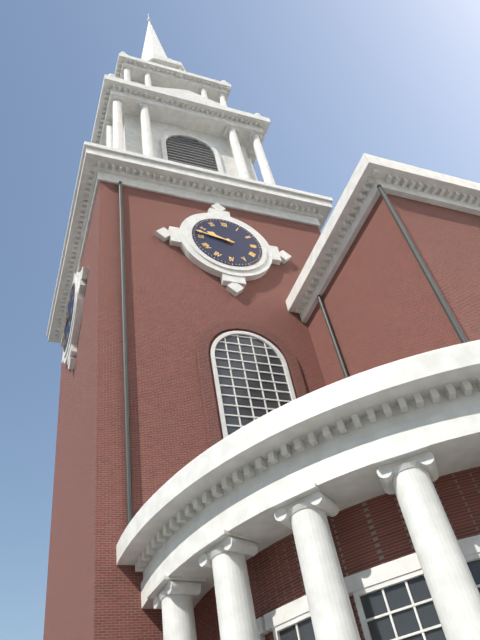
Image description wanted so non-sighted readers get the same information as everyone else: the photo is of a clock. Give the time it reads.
9:47
